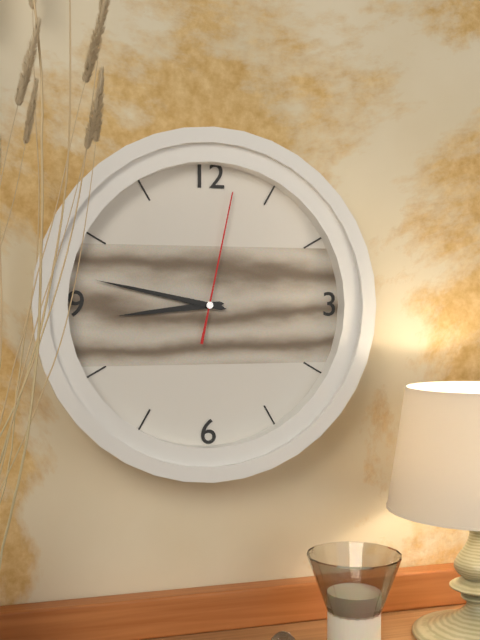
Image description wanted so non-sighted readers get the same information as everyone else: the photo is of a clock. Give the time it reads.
8:47:02
